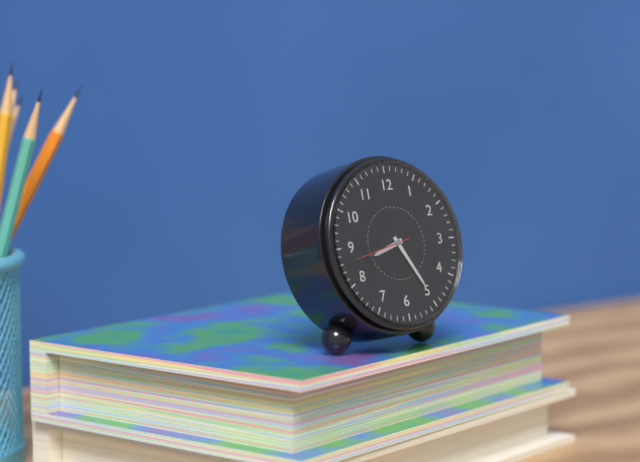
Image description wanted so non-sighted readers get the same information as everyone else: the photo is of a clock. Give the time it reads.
8:25:43
